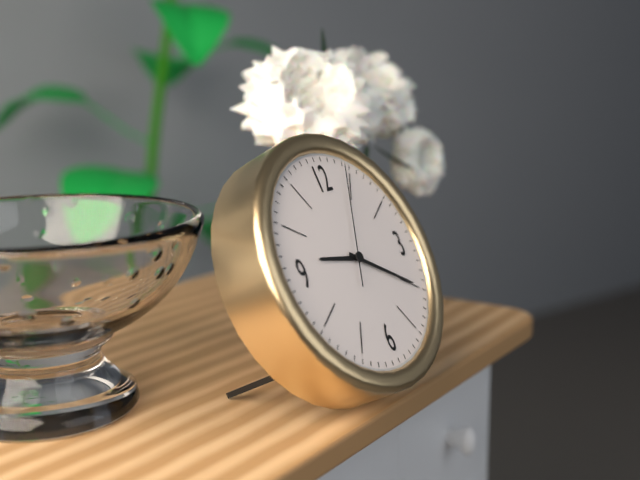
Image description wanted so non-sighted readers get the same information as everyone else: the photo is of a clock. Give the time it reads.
9:20:04
